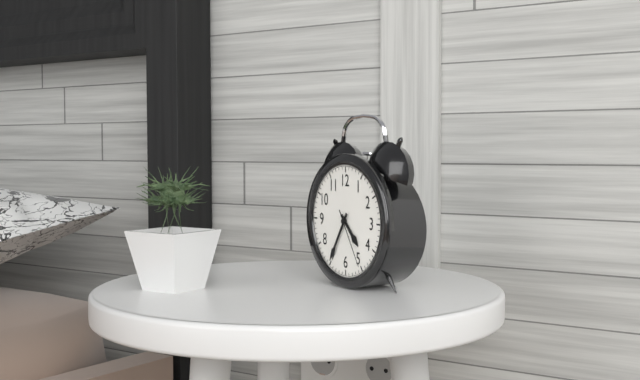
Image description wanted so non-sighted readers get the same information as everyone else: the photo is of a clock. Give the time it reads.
4:35:25
